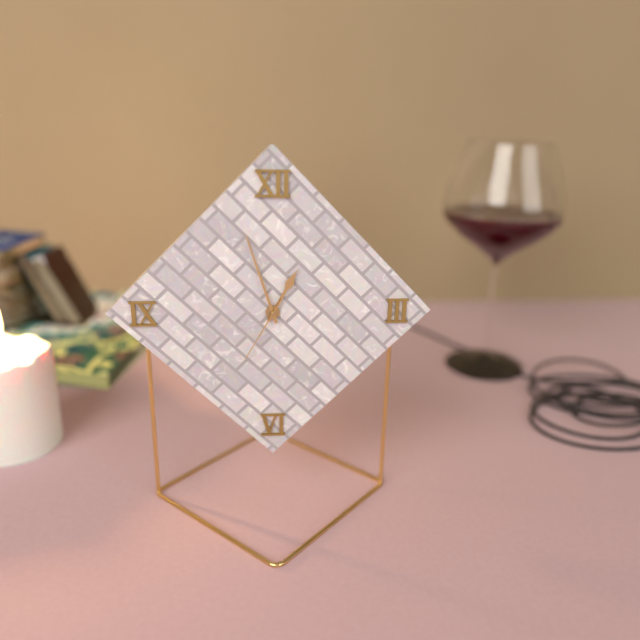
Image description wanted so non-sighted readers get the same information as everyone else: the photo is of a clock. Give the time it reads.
12:57:35
